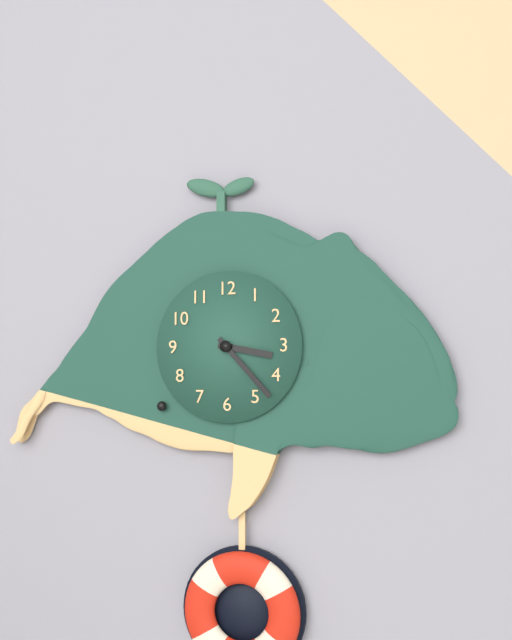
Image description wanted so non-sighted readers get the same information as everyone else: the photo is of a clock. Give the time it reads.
3:23
